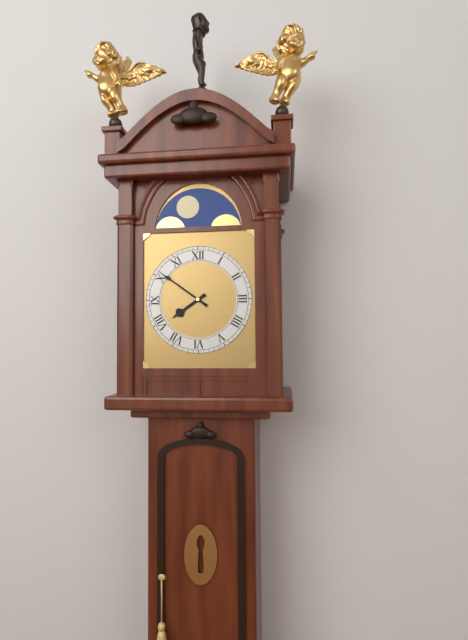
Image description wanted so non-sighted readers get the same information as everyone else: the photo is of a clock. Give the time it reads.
7:51
